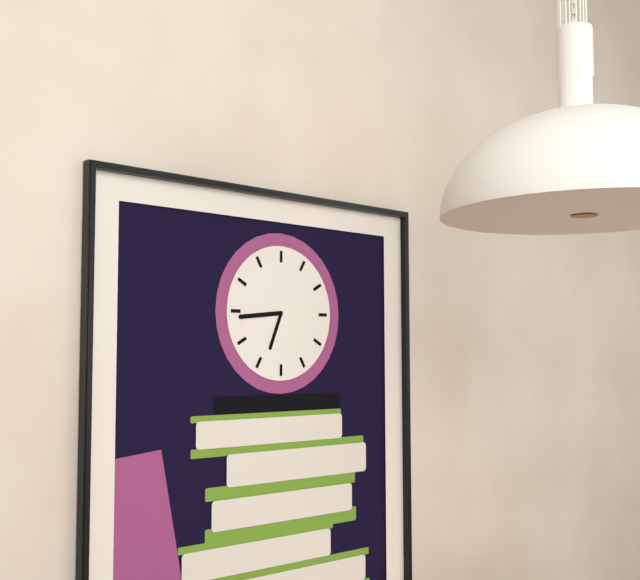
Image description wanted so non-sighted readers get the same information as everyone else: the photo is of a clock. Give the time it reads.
6:44
